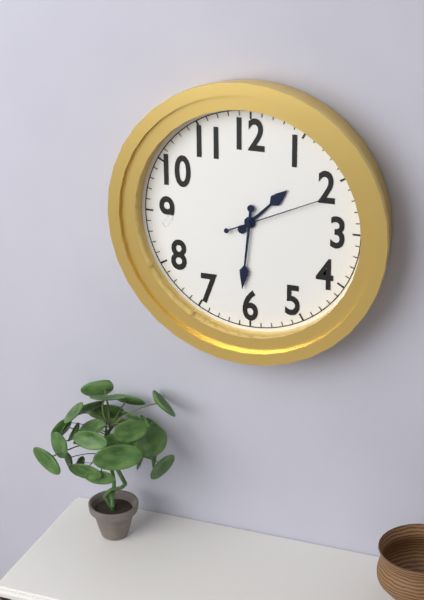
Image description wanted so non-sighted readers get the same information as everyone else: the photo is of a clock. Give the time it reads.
1:31:11
